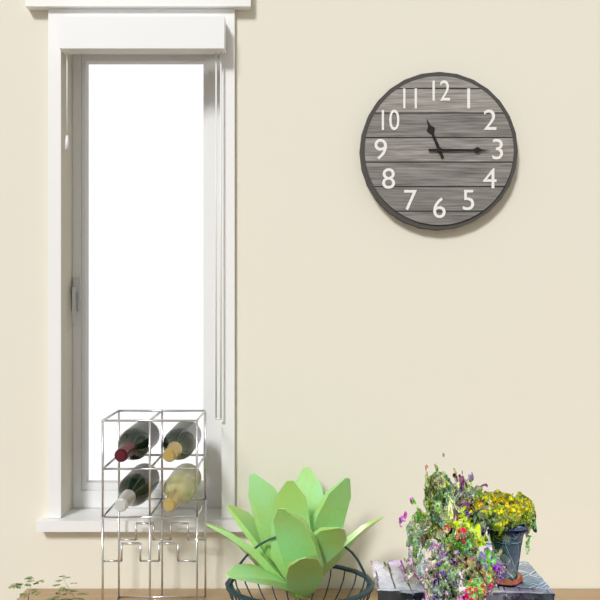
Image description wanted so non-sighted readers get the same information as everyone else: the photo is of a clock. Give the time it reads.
11:15
